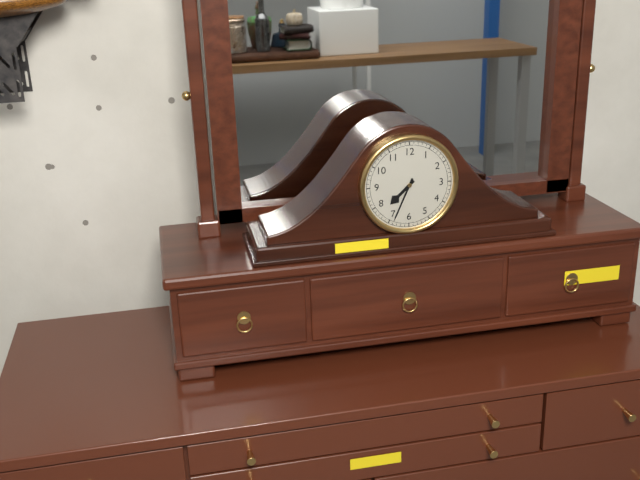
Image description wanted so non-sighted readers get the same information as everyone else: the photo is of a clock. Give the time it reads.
7:34
